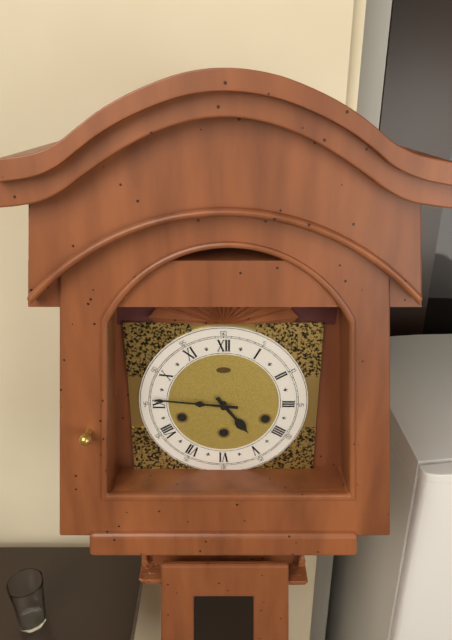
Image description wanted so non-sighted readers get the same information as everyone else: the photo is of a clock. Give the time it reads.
4:46
